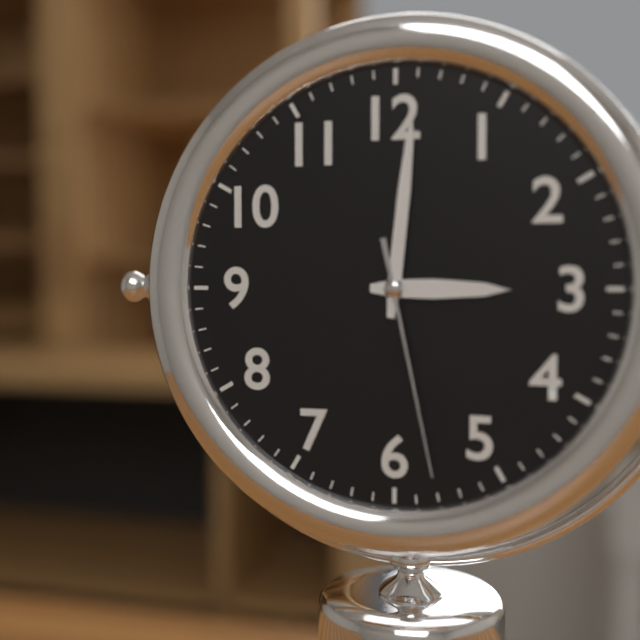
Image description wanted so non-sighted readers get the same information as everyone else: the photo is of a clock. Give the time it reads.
3:01:28
